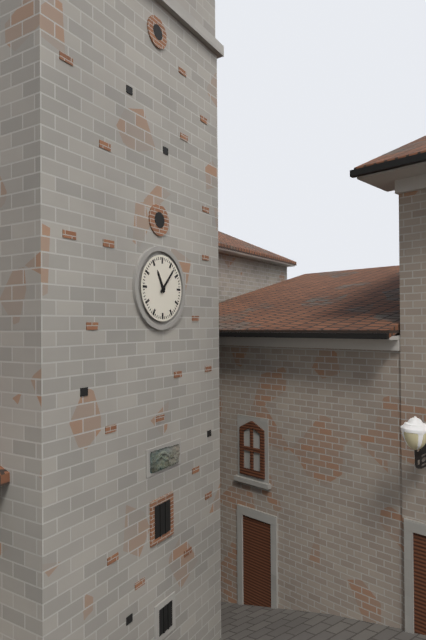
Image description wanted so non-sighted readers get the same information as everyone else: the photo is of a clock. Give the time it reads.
11:07
